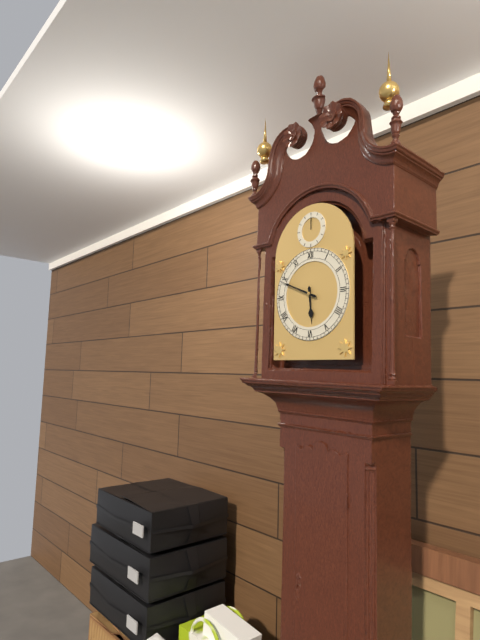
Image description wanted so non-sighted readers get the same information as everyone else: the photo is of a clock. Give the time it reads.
5:49
